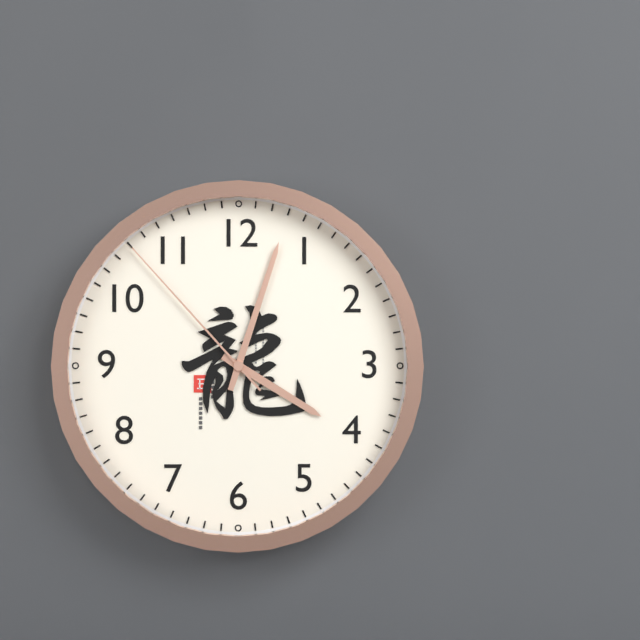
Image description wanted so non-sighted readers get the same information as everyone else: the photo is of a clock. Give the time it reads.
4:03:53
